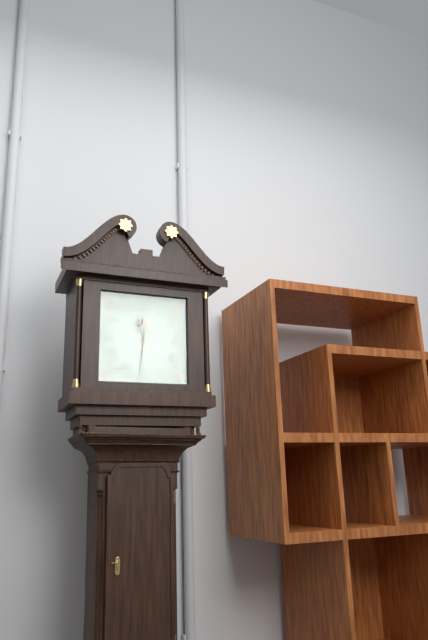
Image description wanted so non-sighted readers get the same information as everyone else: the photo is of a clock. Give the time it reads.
11:31
